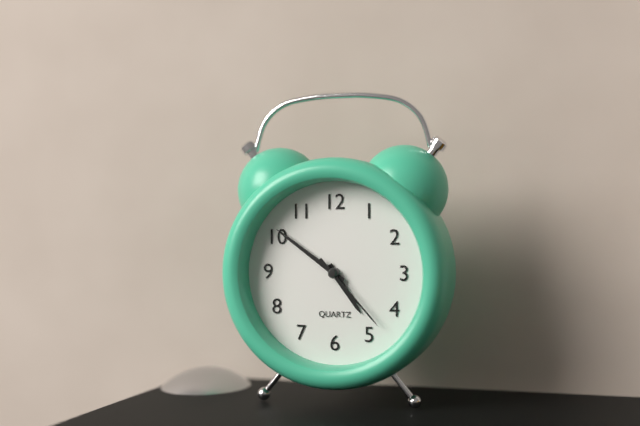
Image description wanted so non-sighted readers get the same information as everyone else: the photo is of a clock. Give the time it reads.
4:51:23
